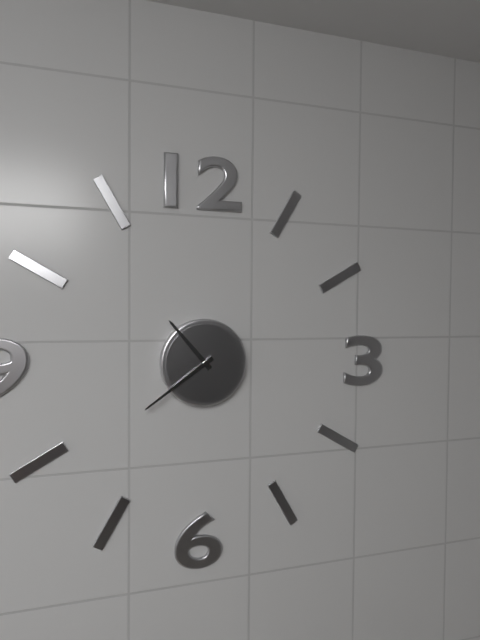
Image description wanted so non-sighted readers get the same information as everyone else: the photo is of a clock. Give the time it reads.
10:39
